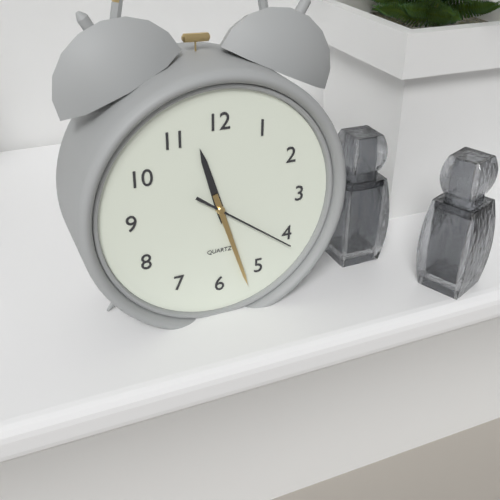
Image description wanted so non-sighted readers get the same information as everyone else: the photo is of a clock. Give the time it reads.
11:27:21
